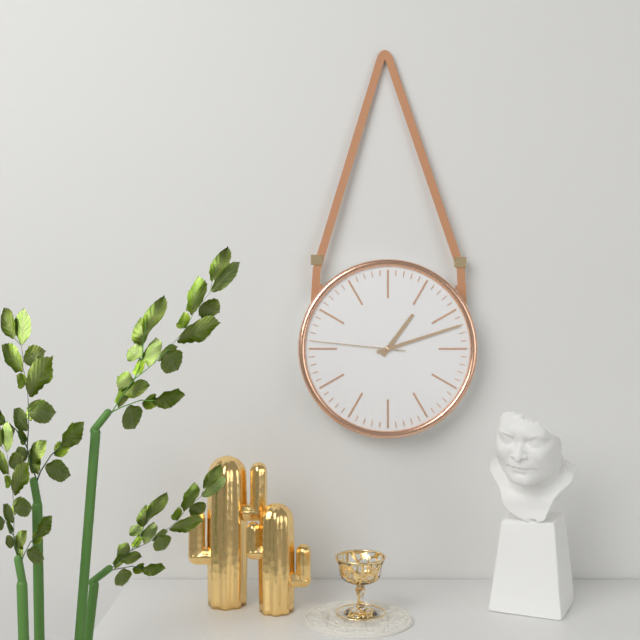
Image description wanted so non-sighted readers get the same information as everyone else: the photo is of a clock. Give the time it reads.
1:12:46
